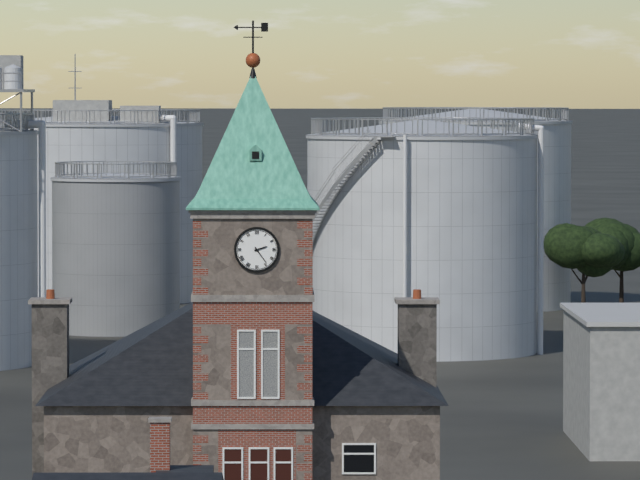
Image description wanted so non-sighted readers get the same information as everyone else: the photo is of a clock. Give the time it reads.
2:24
